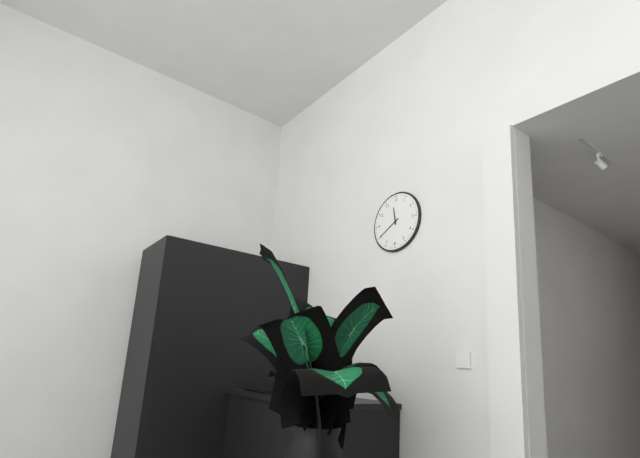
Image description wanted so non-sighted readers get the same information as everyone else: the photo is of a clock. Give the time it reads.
11:40
